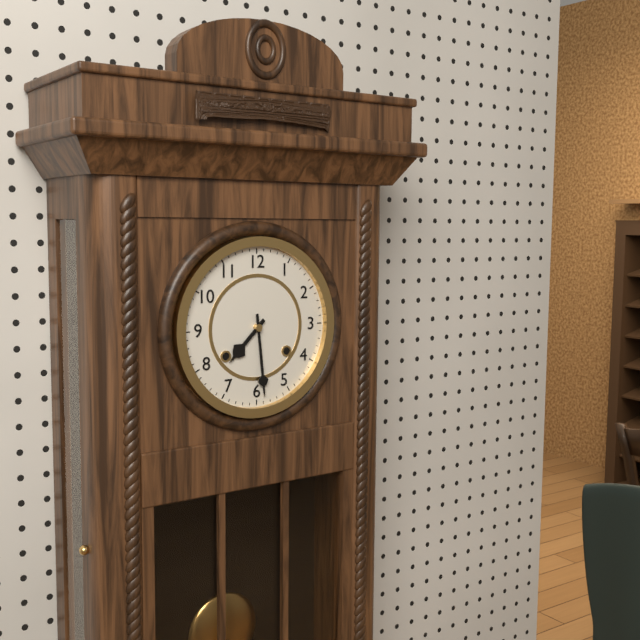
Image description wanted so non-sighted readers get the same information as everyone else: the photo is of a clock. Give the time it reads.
7:29
